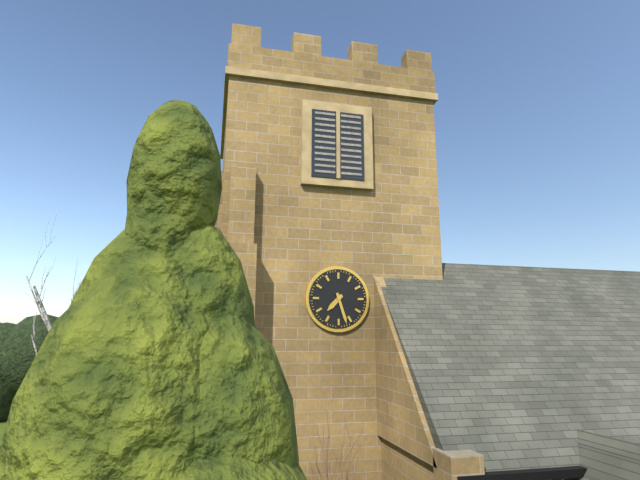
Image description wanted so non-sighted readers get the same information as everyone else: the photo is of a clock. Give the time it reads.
7:27
